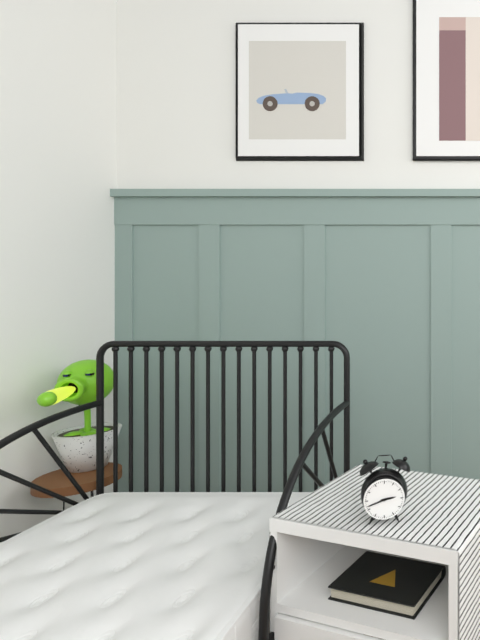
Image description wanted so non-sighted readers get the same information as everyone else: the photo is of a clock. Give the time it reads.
2:42
